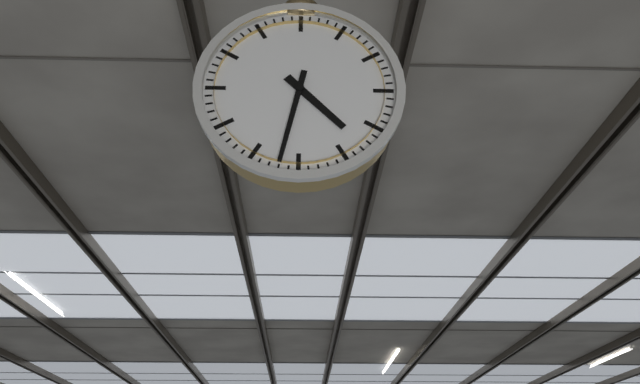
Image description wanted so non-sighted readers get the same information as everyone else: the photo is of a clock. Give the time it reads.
4:32
